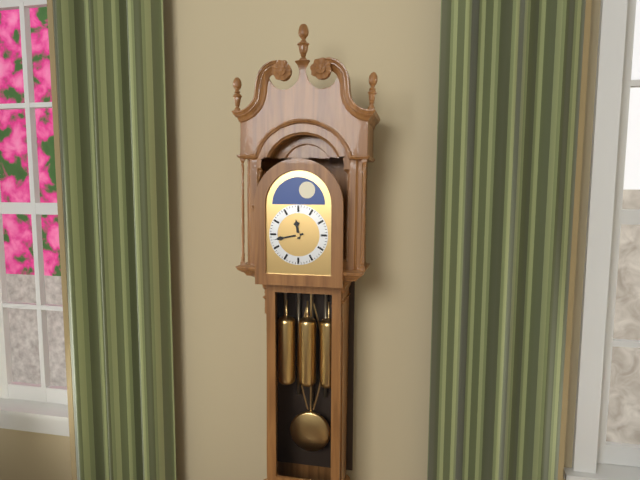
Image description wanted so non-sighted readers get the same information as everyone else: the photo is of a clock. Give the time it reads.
11:43
